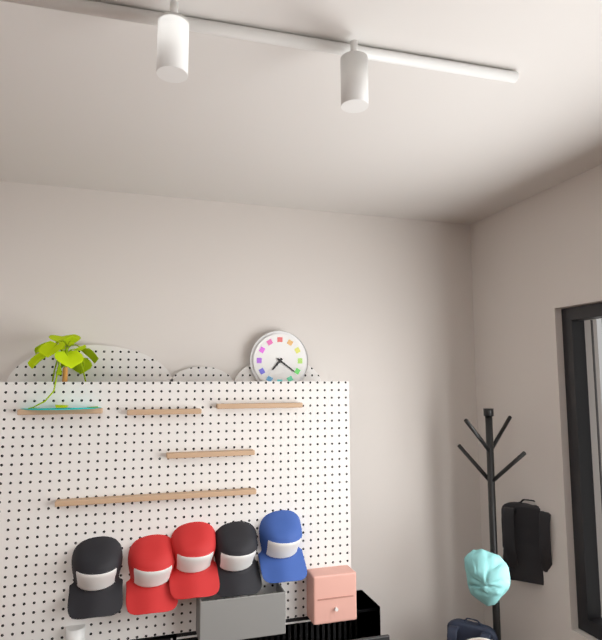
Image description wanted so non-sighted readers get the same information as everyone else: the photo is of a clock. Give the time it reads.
7:21
